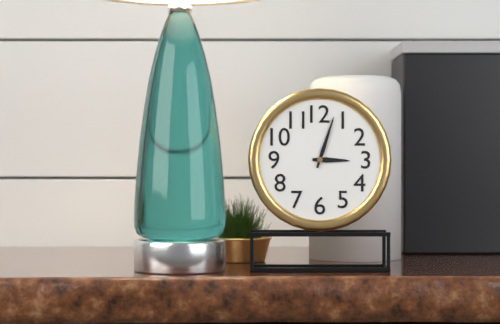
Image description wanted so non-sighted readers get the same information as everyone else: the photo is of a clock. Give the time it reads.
3:03
